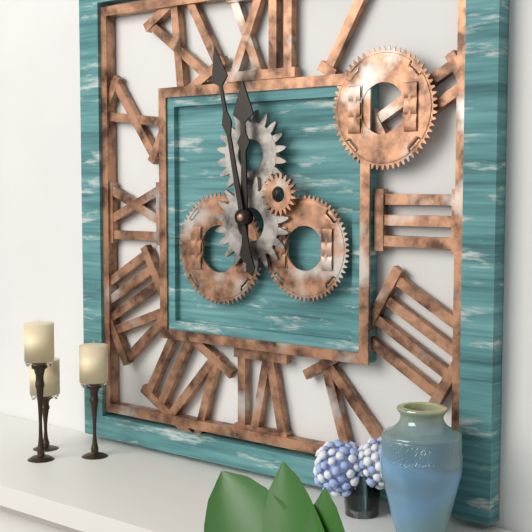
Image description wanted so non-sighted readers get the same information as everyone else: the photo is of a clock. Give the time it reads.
11:58
